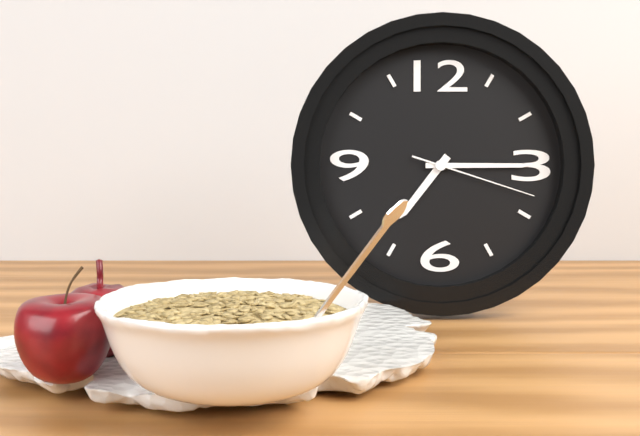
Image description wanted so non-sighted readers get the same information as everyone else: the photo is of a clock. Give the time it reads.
7:15:18
